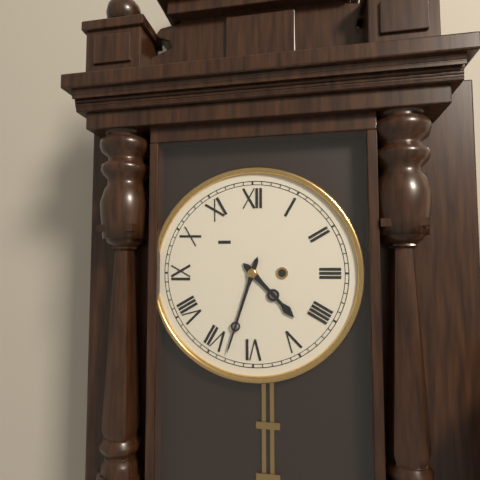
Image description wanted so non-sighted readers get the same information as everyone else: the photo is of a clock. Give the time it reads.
4:33
